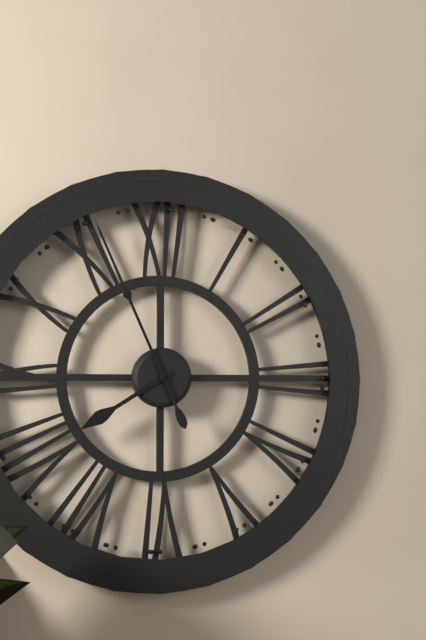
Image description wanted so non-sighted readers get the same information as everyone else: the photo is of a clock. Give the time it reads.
7:56
